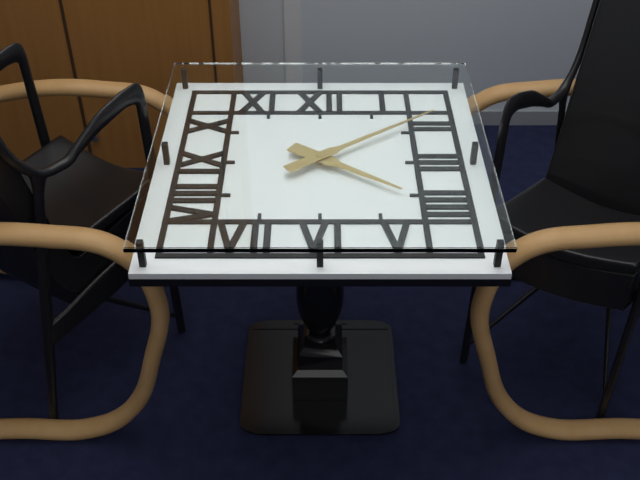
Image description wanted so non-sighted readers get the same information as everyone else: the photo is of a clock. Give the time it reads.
4:09
